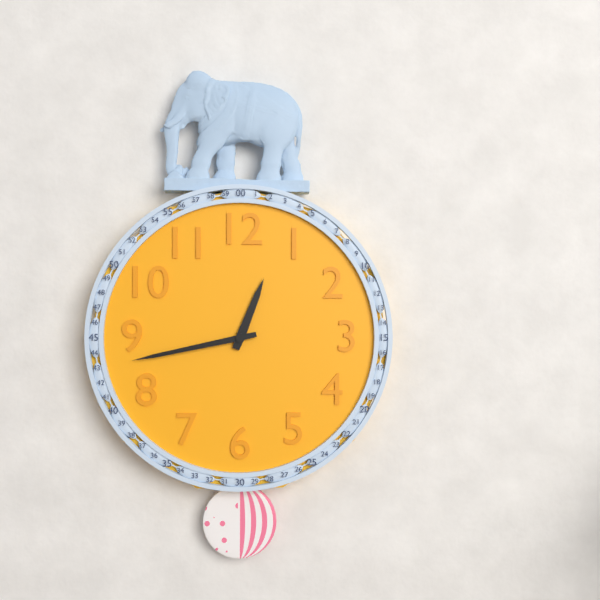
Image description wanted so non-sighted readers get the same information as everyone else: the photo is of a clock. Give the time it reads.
12:43
